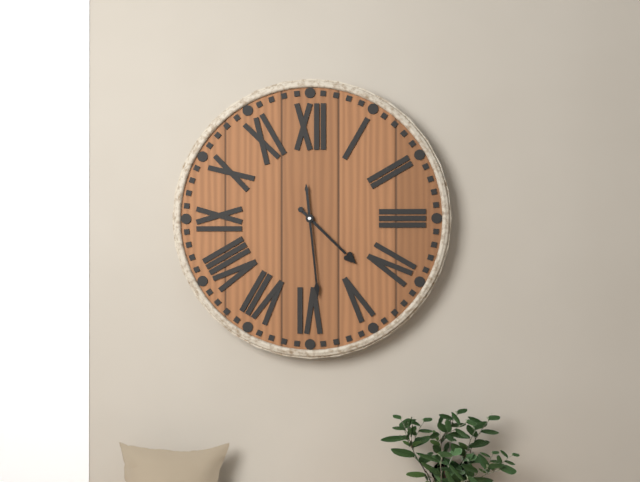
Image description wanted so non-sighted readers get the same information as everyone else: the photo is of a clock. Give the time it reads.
4:29
